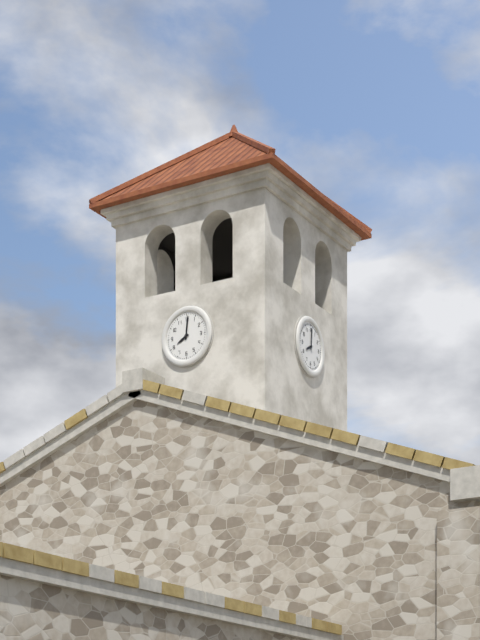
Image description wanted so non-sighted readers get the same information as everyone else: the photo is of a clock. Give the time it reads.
8:01
